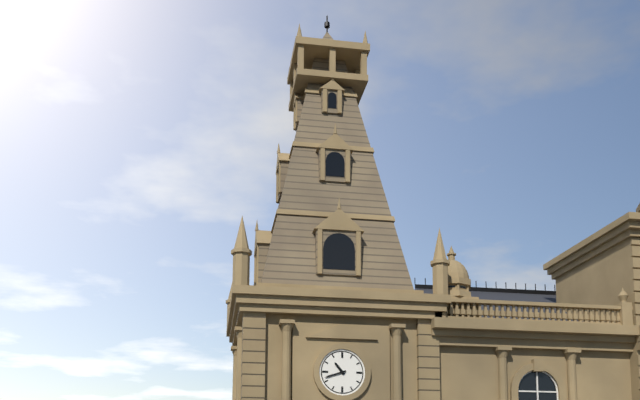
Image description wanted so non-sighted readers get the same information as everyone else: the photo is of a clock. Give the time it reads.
10:42
